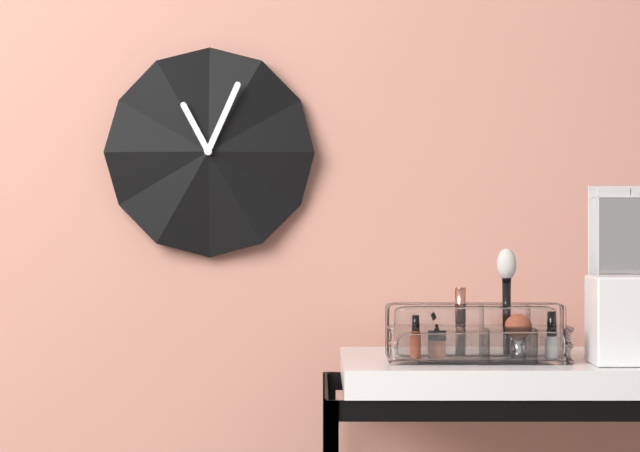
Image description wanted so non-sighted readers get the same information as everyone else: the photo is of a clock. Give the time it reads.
11:04
